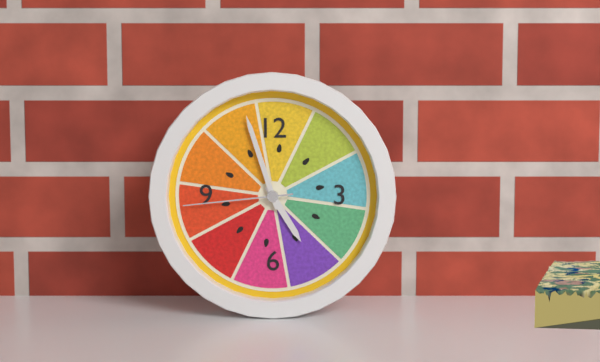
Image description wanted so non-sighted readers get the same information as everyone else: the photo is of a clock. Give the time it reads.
4:57:44
